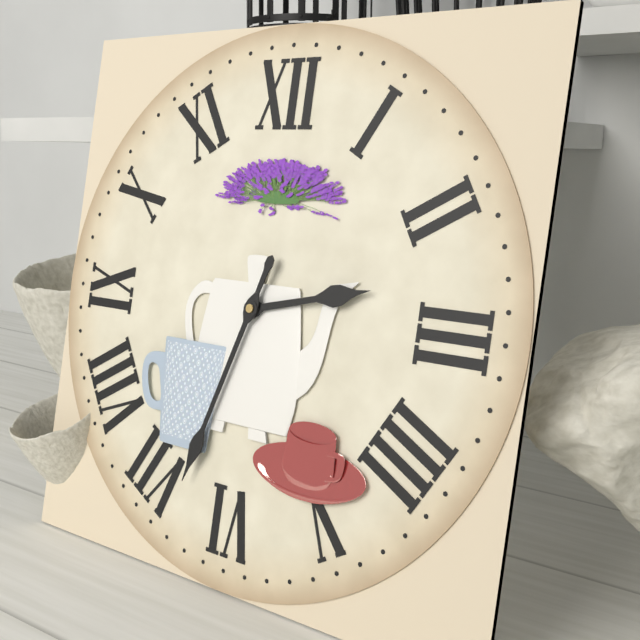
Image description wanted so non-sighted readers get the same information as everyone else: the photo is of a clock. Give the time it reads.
2:33
